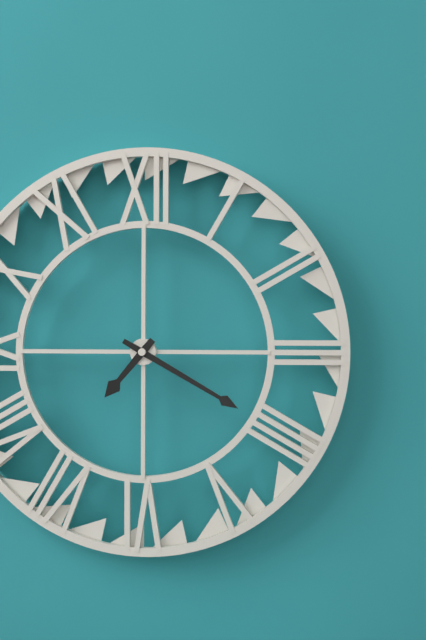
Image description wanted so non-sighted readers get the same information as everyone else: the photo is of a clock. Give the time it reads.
7:20
